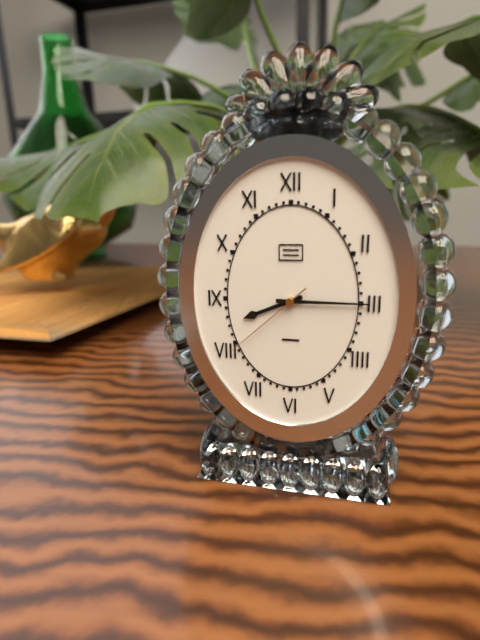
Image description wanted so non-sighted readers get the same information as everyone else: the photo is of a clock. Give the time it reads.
8:15:38
